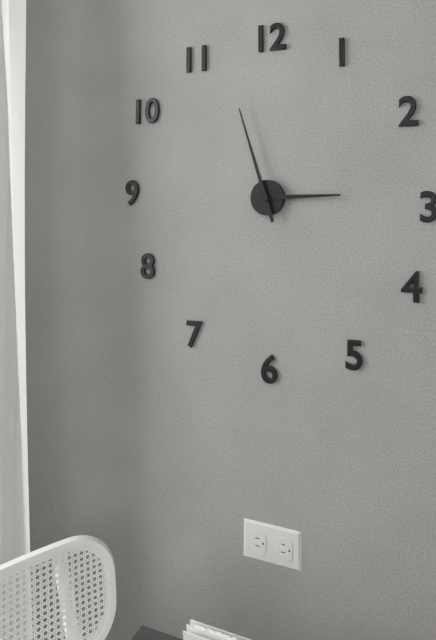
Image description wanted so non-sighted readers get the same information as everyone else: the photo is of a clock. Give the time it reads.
2:57
